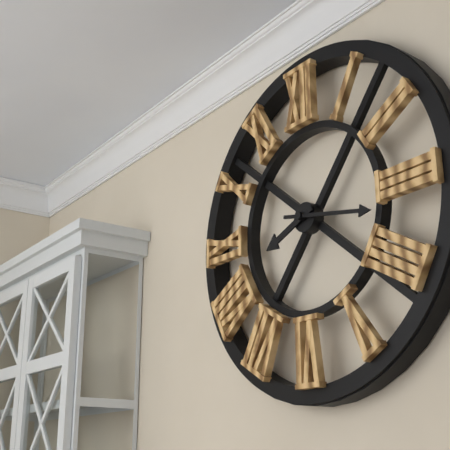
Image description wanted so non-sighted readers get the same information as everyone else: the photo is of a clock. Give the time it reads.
8:17
